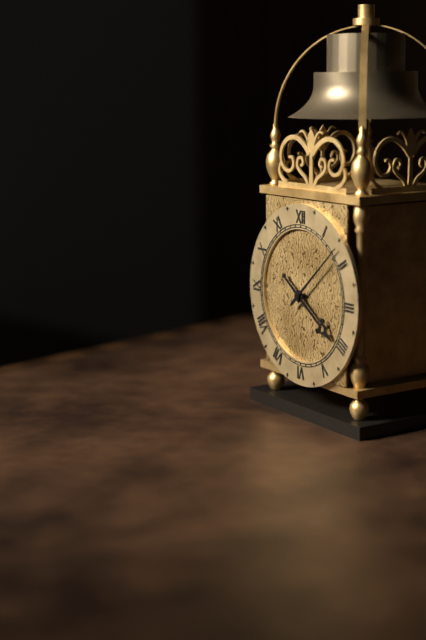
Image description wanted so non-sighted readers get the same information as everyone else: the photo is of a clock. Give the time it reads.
4:08
